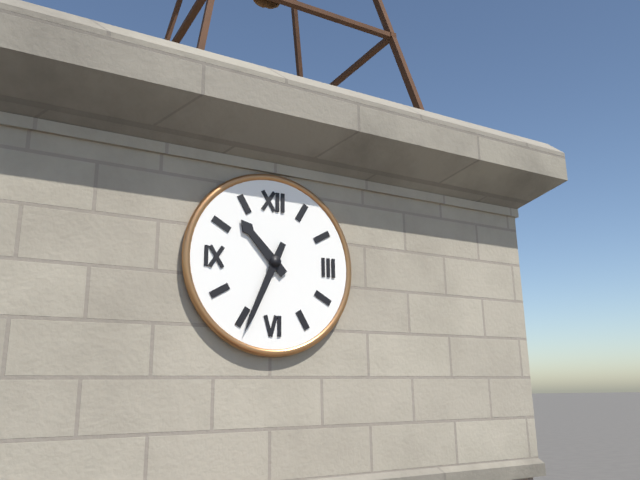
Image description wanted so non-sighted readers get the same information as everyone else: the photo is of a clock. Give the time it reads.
10:34
